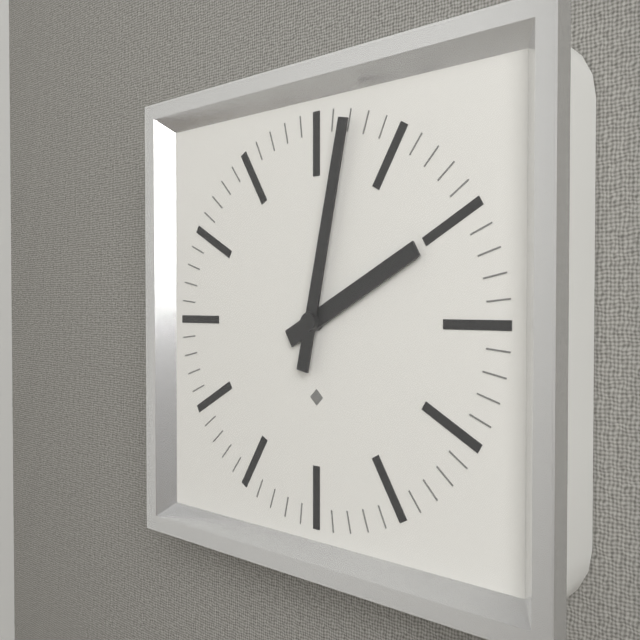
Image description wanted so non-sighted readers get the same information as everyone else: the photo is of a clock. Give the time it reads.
2:02
